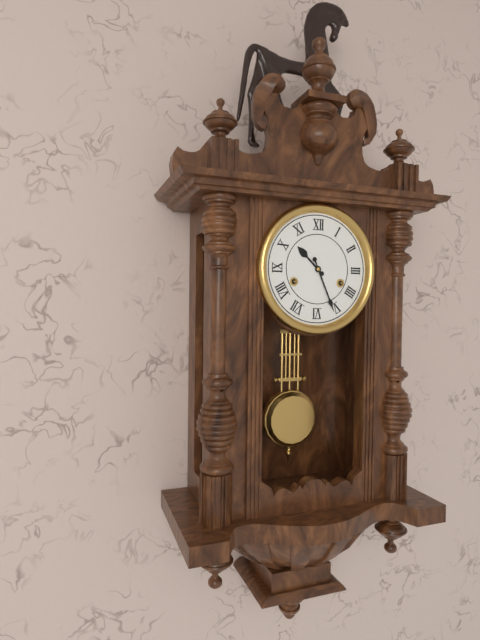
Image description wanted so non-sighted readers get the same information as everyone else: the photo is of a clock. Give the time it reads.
10:26
